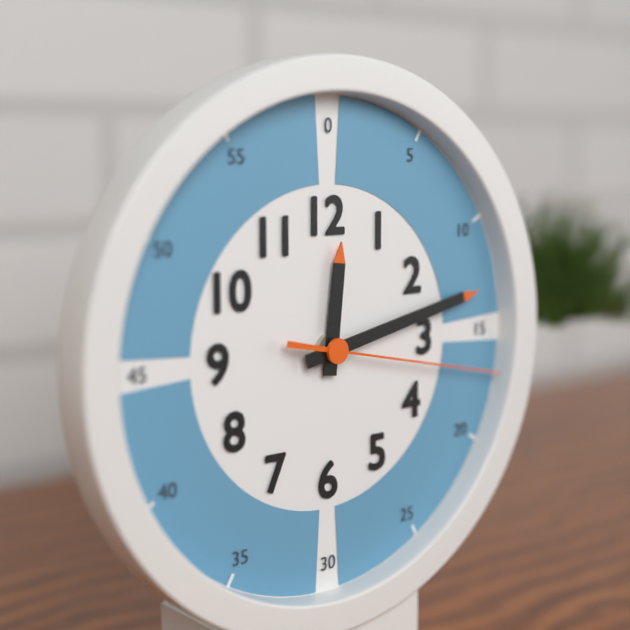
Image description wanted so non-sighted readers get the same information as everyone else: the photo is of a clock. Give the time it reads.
12:13:17
